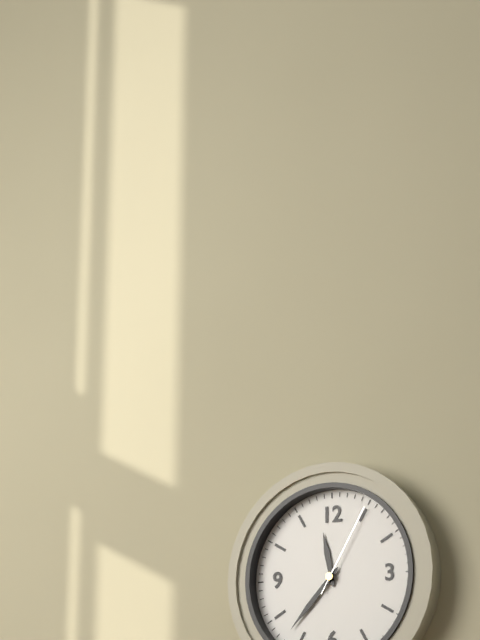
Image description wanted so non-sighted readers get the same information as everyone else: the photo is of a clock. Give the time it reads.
11:37:05
